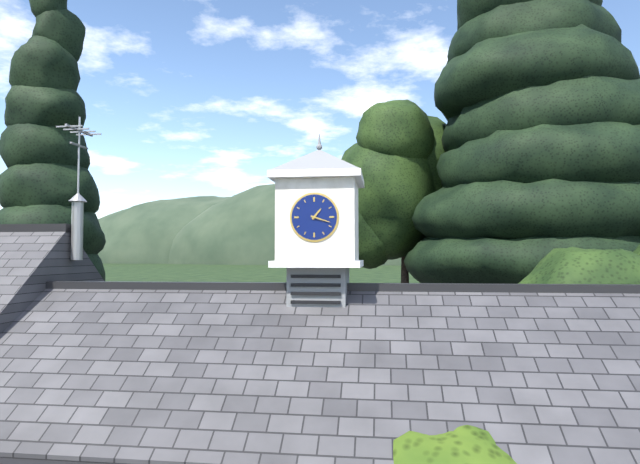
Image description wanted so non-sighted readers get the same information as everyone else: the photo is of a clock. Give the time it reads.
1:18
